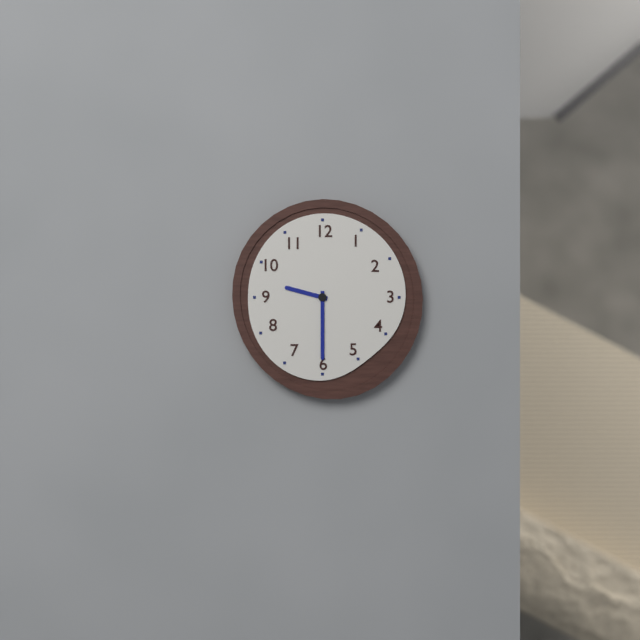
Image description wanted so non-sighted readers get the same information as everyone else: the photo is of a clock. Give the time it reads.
9:30
